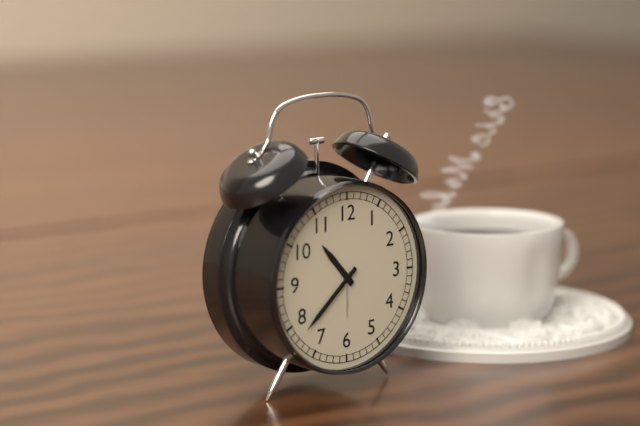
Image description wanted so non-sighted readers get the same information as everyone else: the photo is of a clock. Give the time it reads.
10:38
